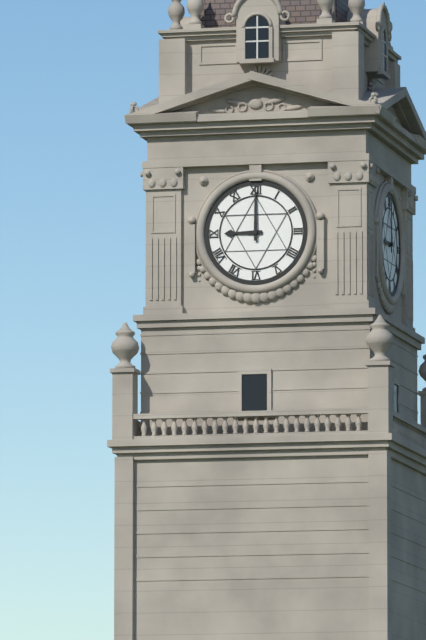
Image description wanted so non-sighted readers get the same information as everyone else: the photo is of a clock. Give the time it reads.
9:00
